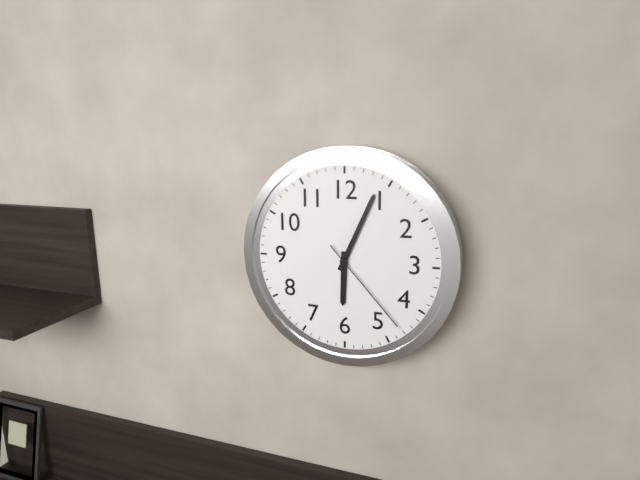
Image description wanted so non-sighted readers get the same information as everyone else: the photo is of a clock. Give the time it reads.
6:04:23
